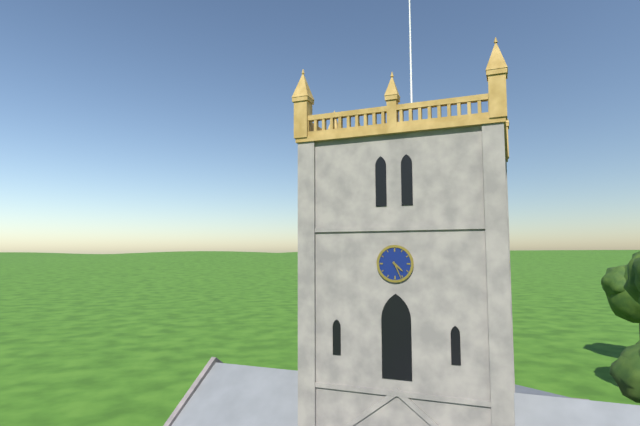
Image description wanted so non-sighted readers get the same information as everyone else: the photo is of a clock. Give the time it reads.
4:26
